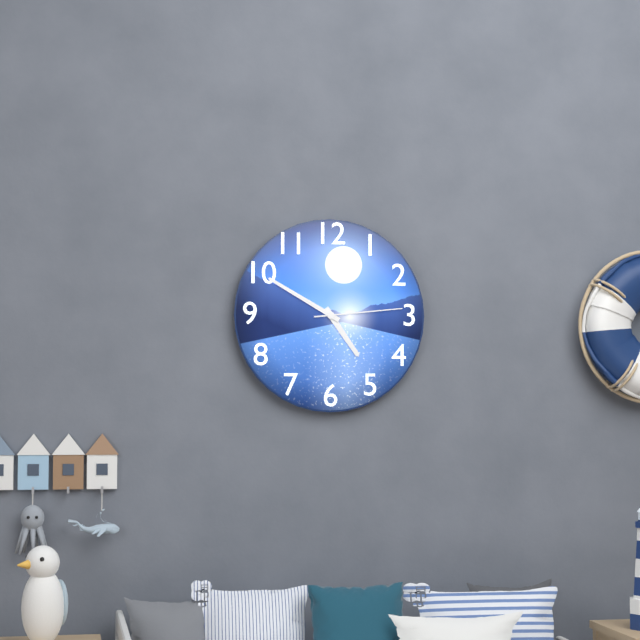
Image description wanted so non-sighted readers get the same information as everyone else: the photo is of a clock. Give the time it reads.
4:50:14
